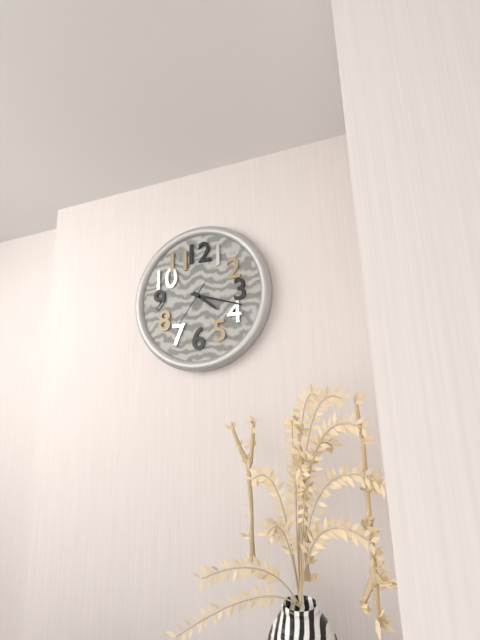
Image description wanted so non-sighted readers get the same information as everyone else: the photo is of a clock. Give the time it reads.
4:18
